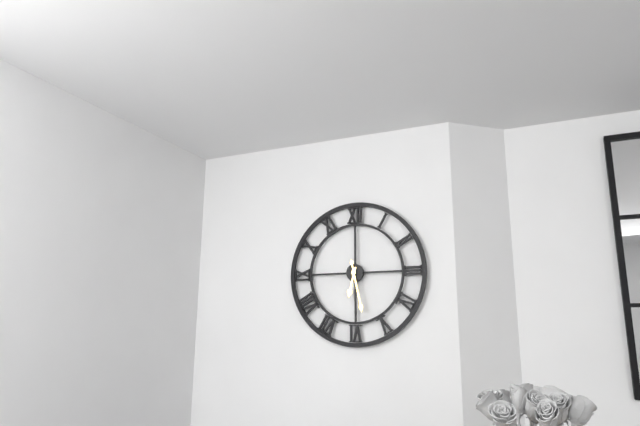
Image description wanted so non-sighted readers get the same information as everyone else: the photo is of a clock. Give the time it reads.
6:28
